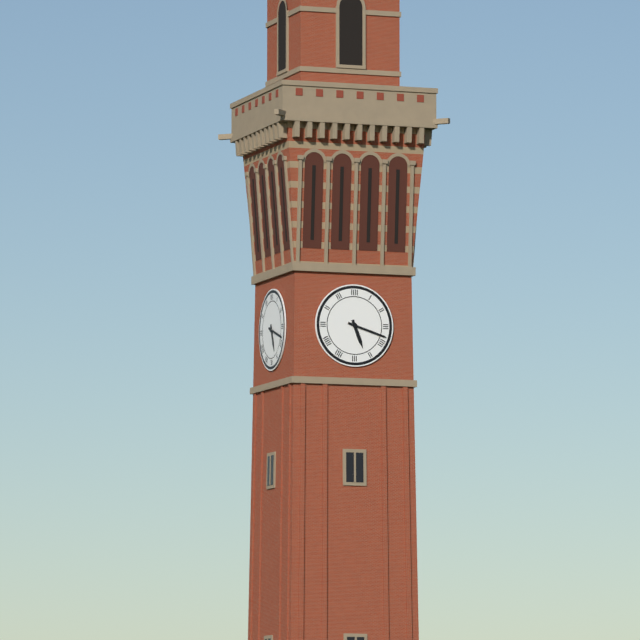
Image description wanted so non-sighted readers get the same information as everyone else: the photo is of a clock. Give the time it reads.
5:18
